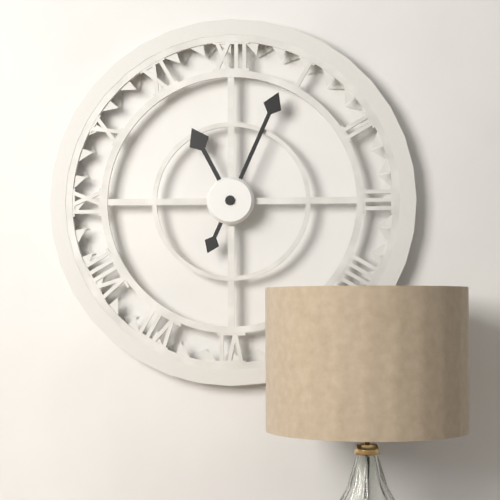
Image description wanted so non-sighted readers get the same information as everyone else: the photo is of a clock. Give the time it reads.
11:04
